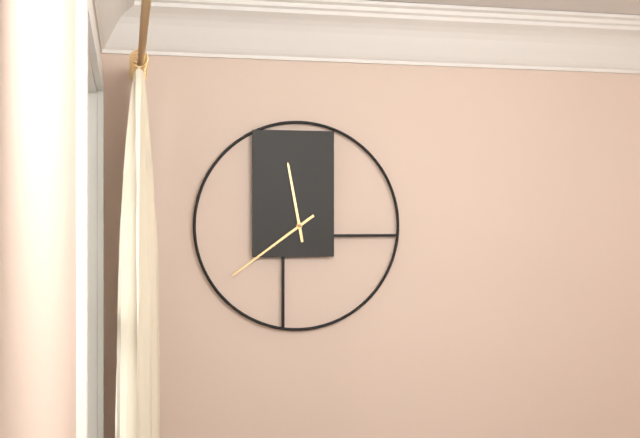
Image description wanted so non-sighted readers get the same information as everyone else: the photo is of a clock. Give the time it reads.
11:39
